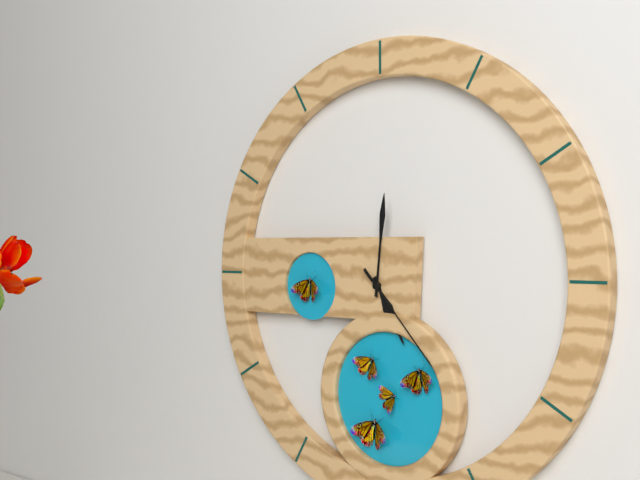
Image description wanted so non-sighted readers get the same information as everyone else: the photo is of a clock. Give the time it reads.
5:01:23
